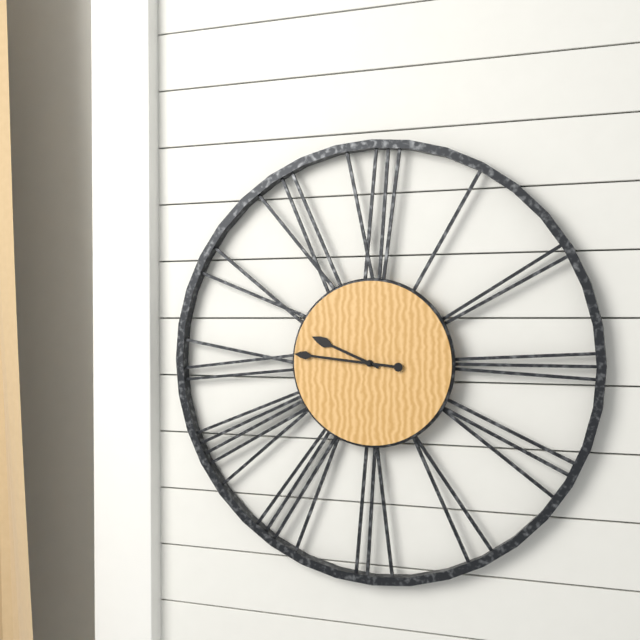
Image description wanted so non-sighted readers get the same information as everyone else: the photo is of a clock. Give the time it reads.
9:46
